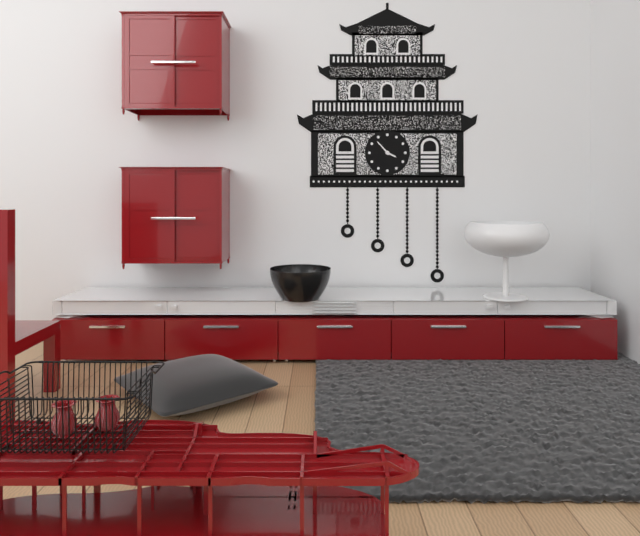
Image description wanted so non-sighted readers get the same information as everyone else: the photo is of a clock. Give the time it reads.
3:53
